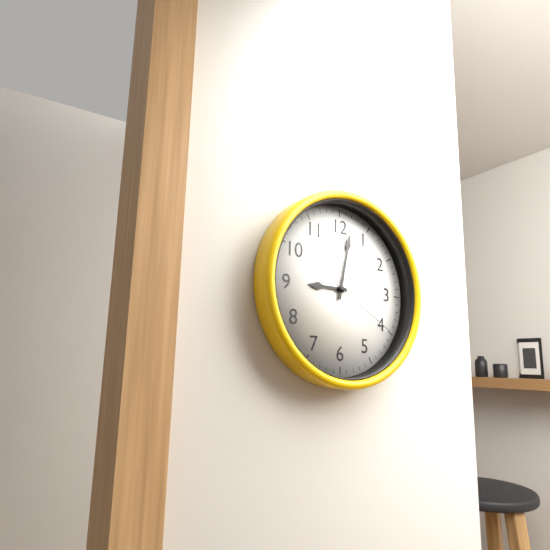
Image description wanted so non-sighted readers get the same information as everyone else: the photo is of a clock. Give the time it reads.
9:02:20
